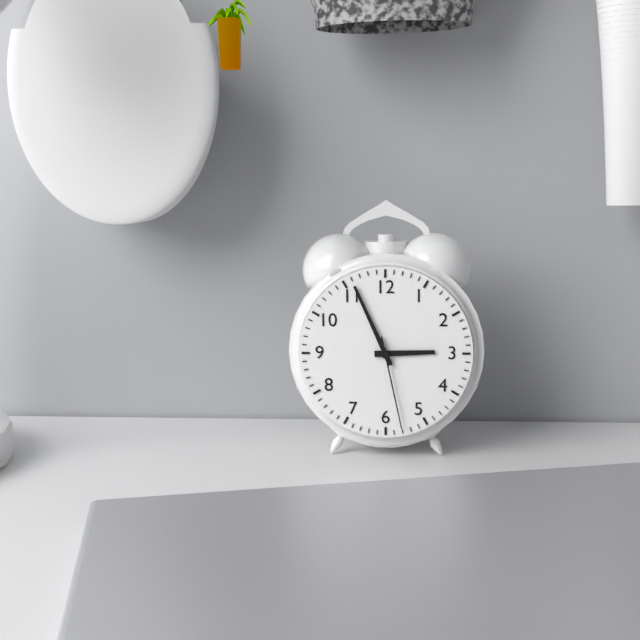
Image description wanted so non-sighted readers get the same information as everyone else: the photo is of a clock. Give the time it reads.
2:56:28
